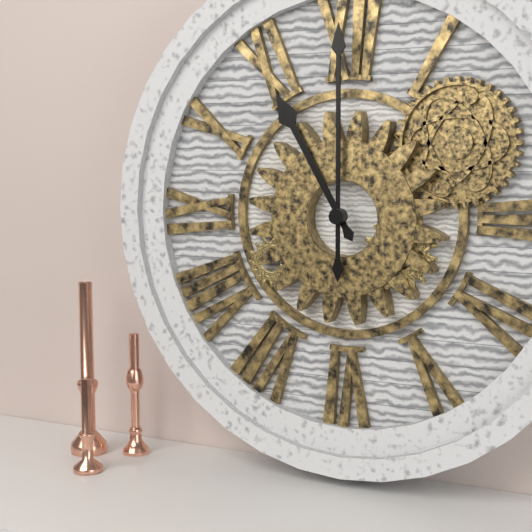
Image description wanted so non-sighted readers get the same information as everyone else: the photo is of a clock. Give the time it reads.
11:00
